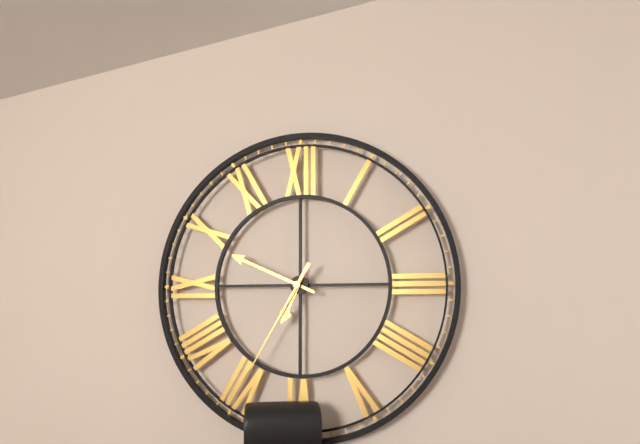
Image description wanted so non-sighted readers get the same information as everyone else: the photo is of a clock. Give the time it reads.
6:49:35
